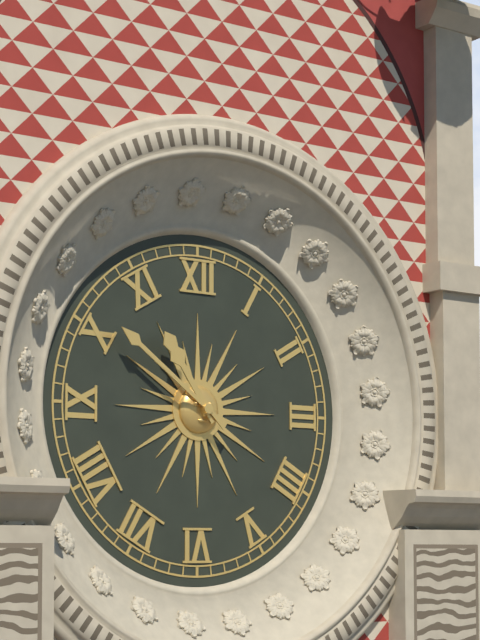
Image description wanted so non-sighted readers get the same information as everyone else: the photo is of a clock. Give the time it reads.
10:51
